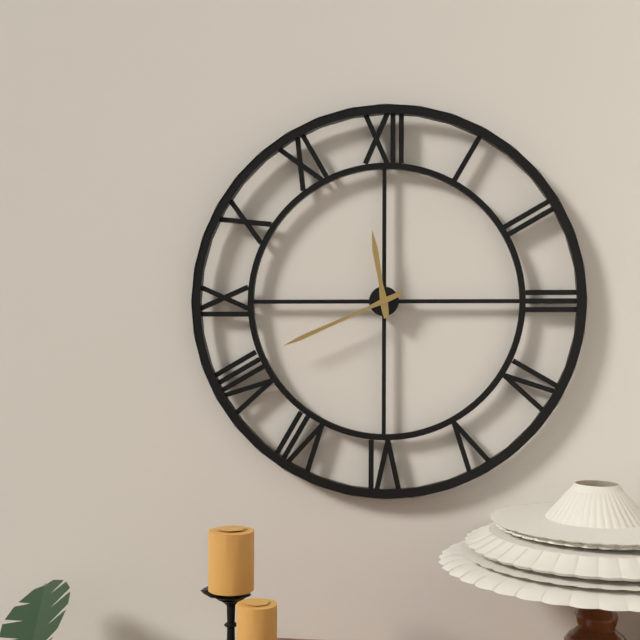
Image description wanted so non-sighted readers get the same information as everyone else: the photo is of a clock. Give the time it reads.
11:41
